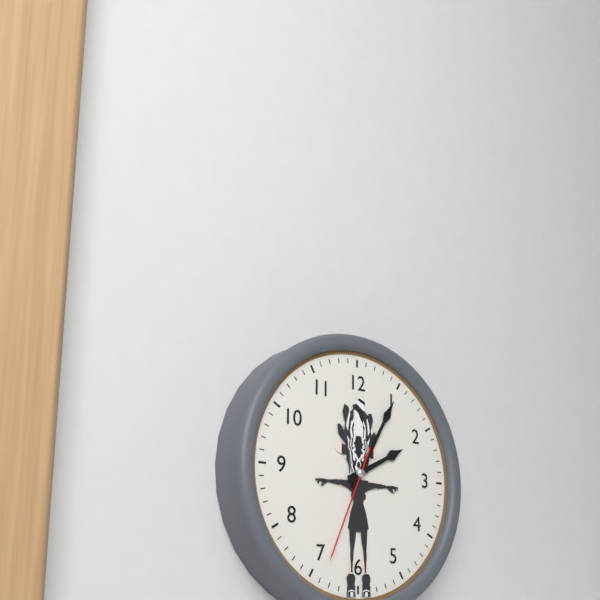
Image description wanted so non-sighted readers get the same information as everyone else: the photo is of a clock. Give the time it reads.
2:05:34
